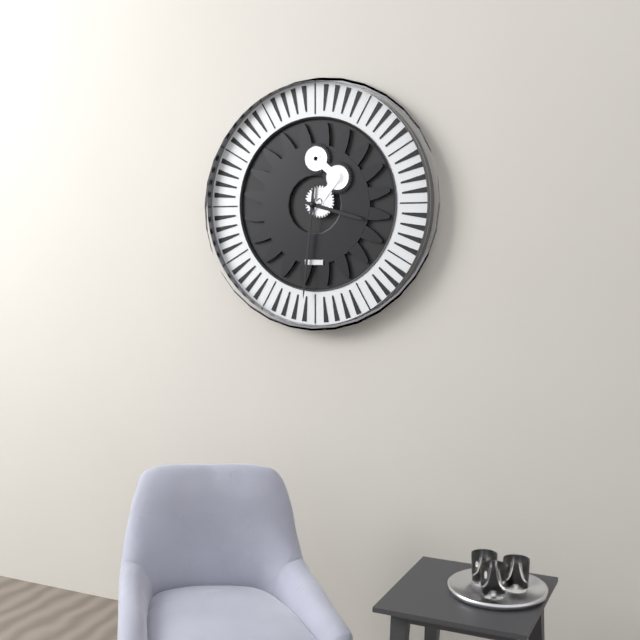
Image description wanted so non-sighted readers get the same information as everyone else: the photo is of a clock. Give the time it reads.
3:31
